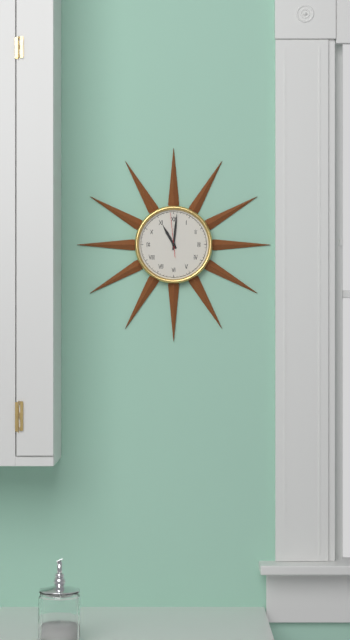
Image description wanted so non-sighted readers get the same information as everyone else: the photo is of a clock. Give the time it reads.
11:01
